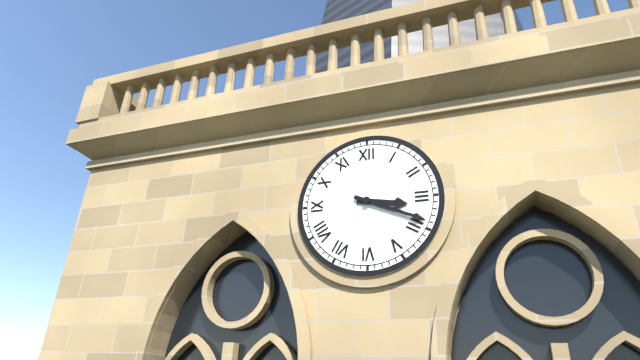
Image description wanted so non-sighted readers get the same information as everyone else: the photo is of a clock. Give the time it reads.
3:19
